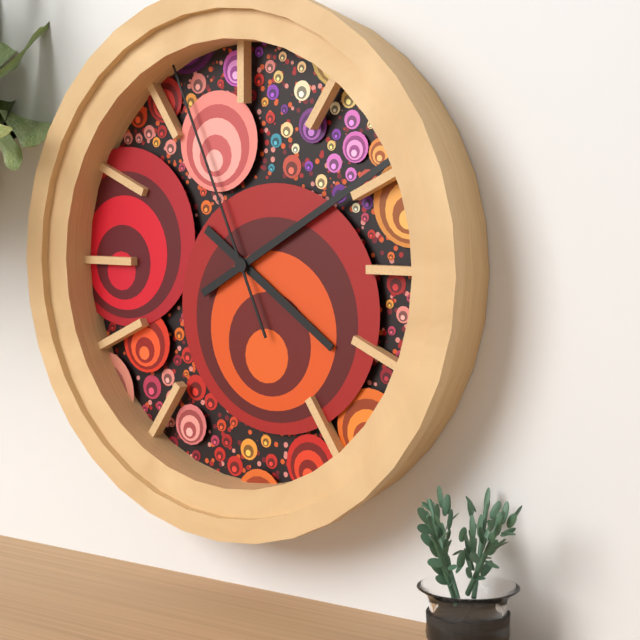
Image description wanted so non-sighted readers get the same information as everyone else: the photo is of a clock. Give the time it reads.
4:10:56
